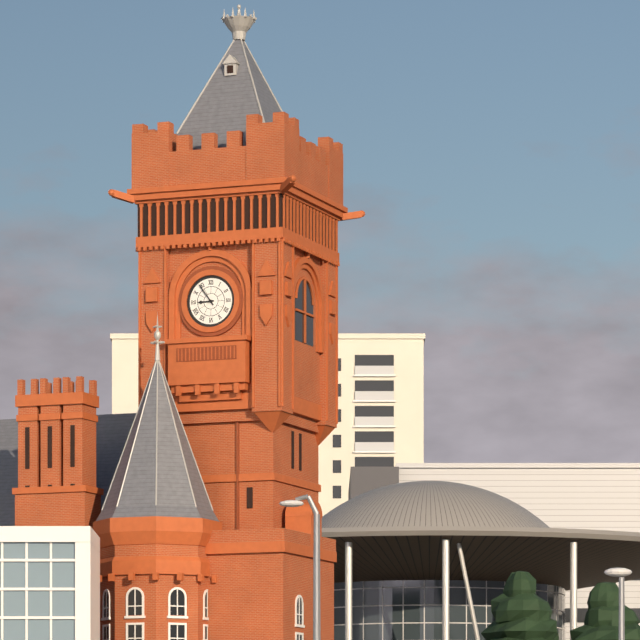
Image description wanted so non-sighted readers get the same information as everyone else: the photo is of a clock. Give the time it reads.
8:54
